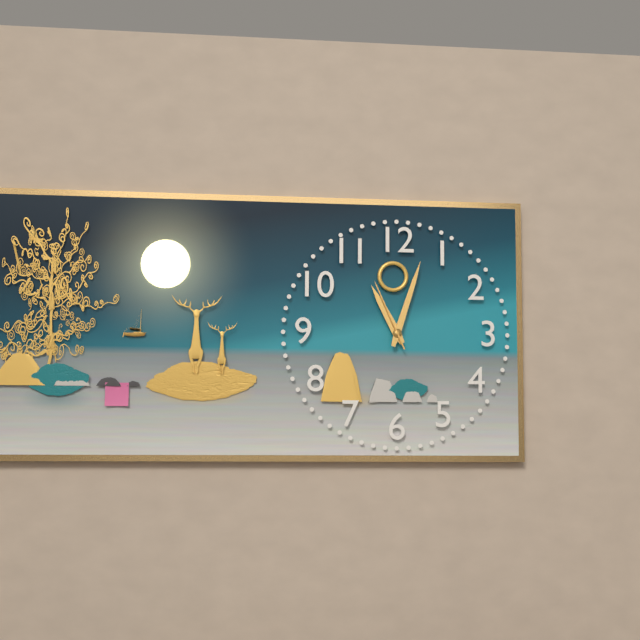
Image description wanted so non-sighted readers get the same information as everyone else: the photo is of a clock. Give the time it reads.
11:03:56
